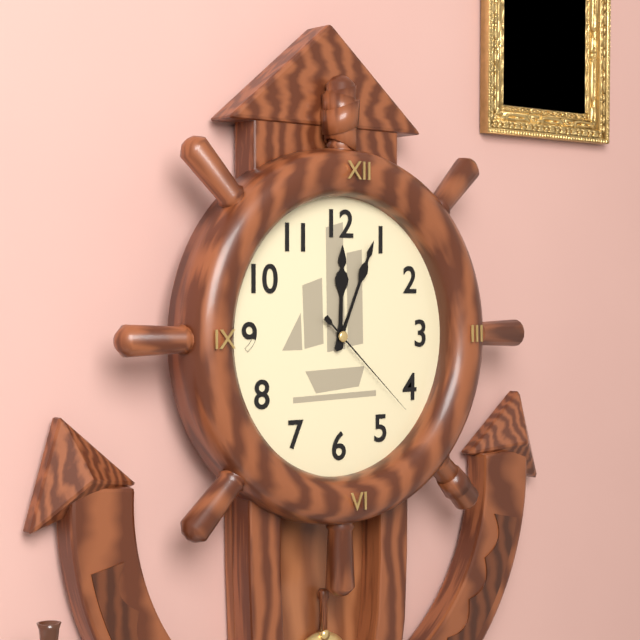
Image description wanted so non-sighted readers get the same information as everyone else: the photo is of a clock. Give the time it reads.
12:04:22
